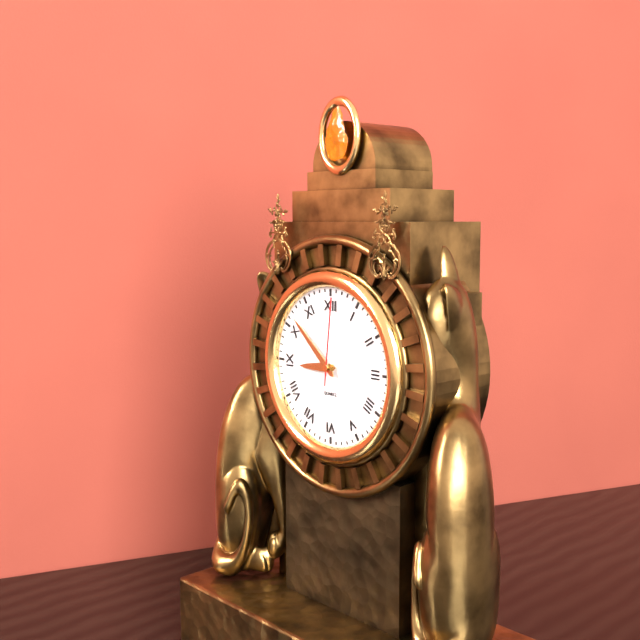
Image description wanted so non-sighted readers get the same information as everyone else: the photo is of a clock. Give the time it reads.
8:52:01
